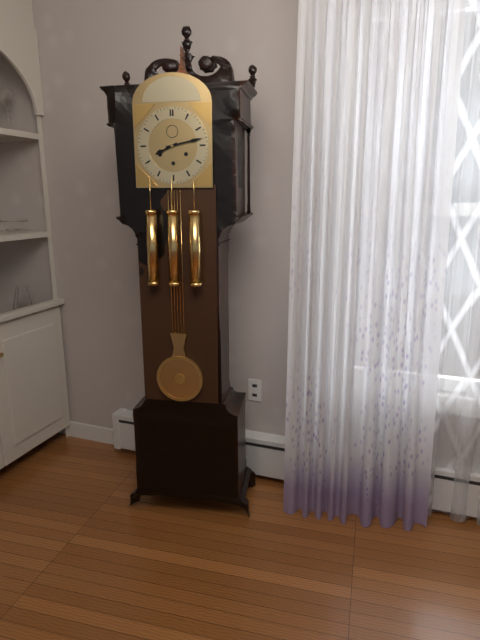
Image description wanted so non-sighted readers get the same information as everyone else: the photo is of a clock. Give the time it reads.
8:13
